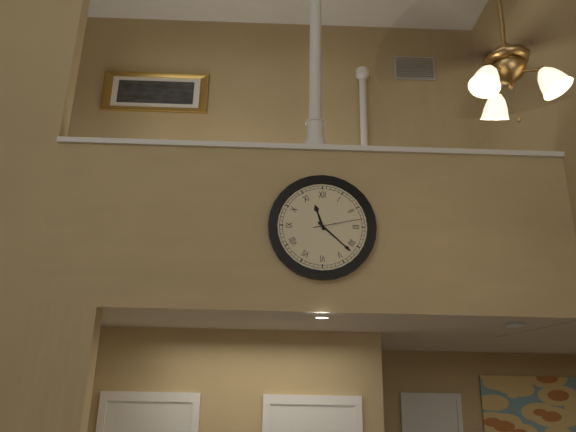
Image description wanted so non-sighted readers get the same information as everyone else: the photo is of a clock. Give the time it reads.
11:22
